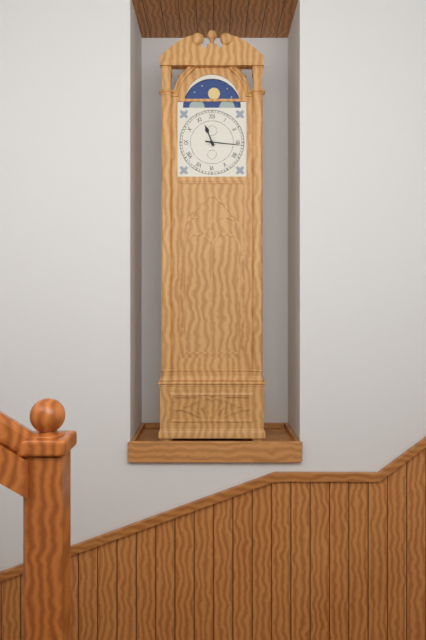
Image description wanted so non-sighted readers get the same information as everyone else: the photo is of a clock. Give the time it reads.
11:16
